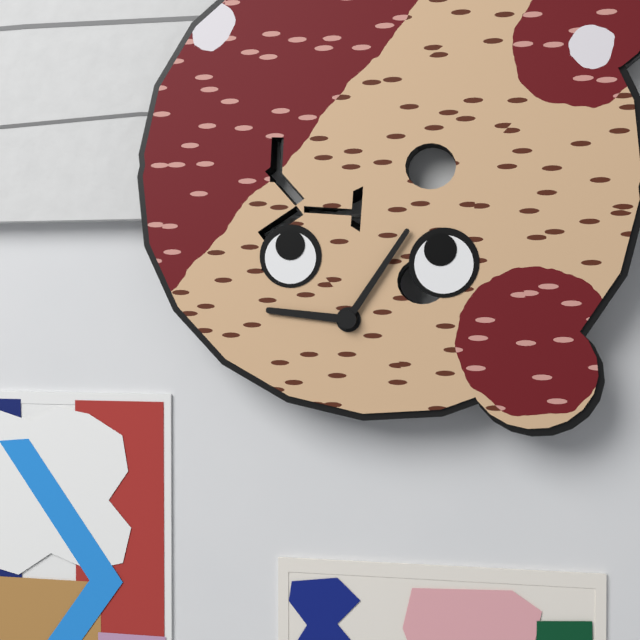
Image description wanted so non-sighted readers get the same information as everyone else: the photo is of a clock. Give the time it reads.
9:05
